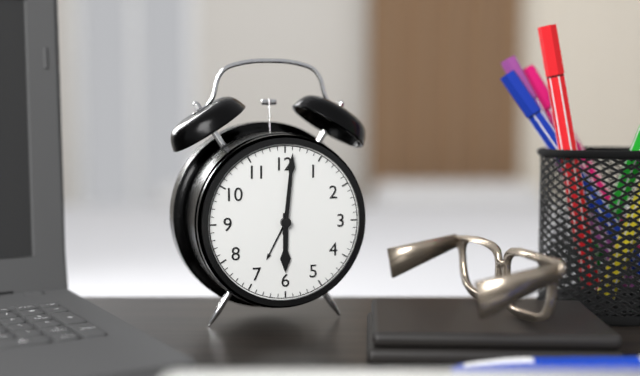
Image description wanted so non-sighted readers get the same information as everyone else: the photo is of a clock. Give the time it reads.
6:01
